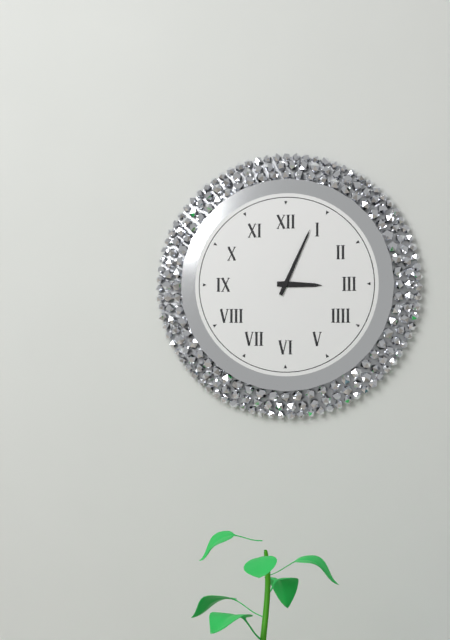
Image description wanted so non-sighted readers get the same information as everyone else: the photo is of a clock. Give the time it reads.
3:04
